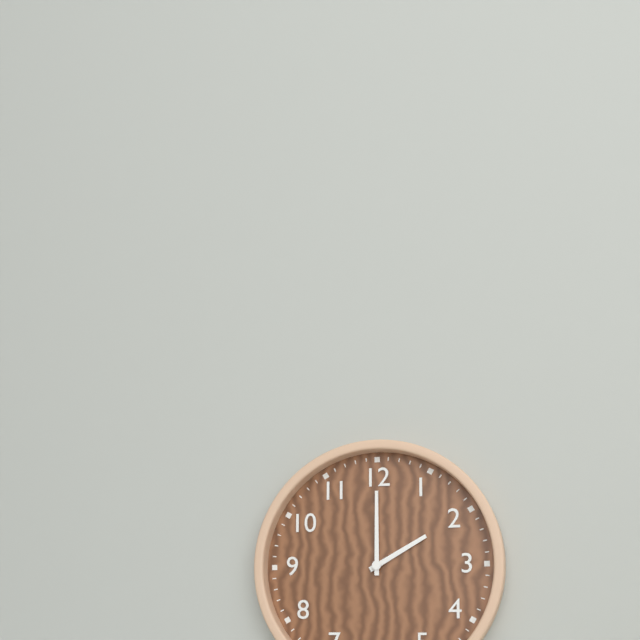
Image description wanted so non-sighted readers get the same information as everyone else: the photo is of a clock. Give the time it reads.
2:00
